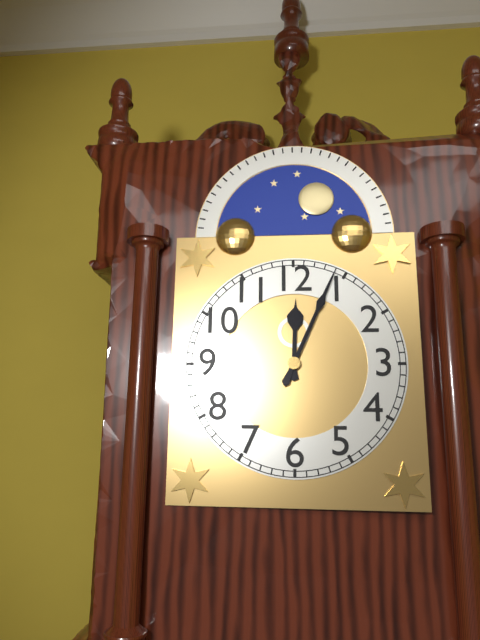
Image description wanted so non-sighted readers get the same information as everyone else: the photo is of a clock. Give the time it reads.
12:04
